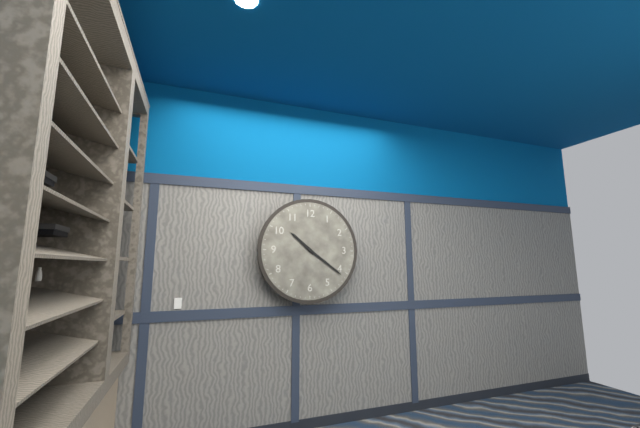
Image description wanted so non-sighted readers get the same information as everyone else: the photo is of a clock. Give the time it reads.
10:21
